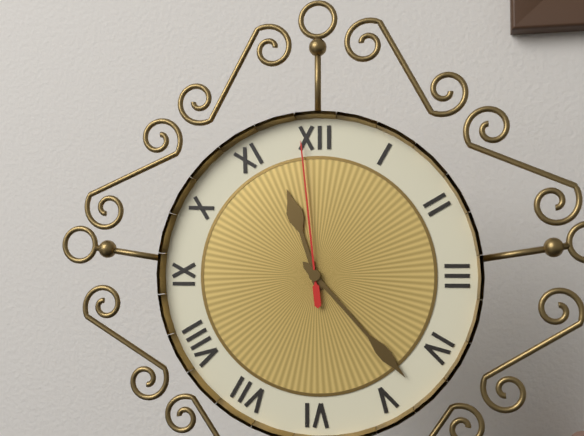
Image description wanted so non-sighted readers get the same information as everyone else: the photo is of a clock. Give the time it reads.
11:23:59
